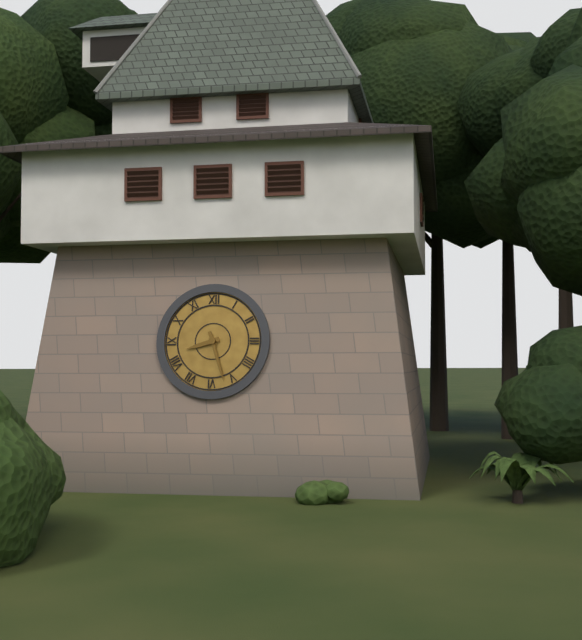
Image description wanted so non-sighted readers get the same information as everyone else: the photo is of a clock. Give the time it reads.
8:27
